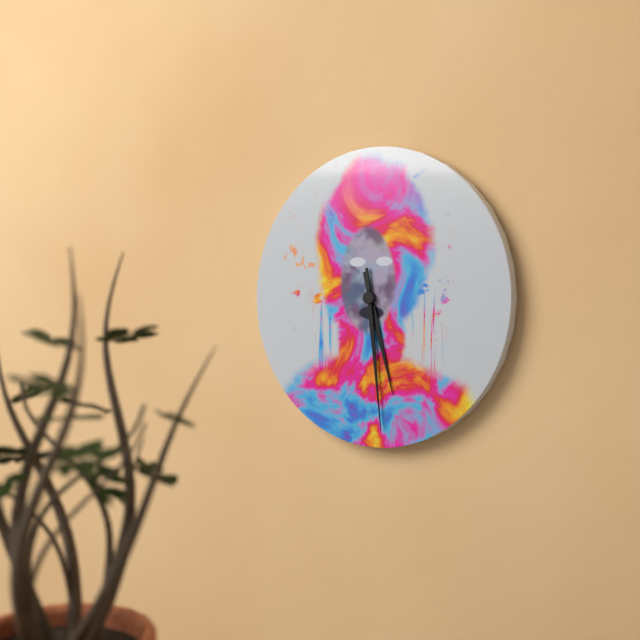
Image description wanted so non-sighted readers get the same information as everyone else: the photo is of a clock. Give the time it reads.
5:29
